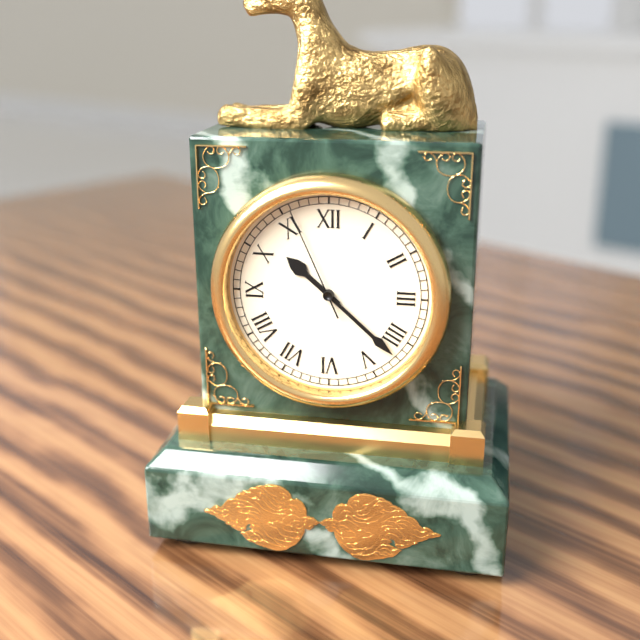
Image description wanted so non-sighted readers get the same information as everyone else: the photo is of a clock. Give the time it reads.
10:22:56
